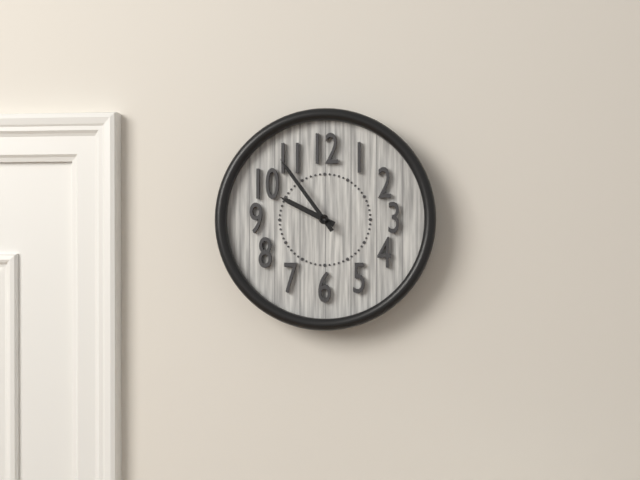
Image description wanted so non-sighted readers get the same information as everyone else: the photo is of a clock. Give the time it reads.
9:54
